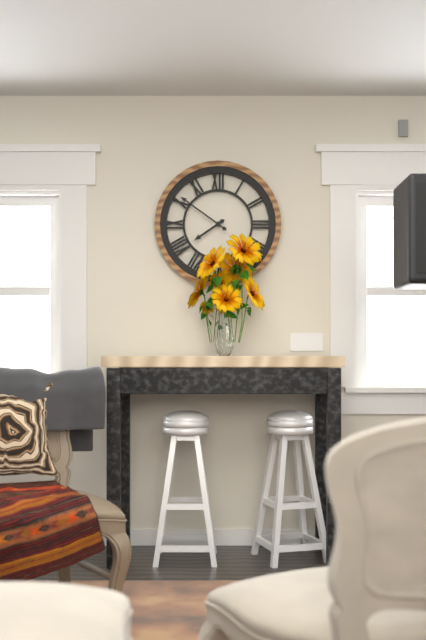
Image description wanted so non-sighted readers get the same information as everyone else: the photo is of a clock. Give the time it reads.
7:51
